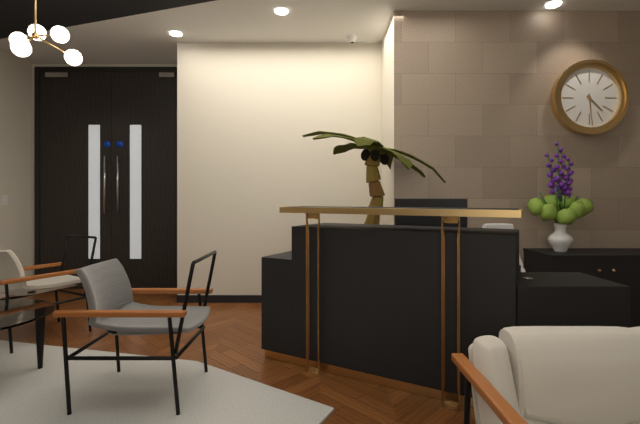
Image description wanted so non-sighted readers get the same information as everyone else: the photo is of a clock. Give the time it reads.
4:29
